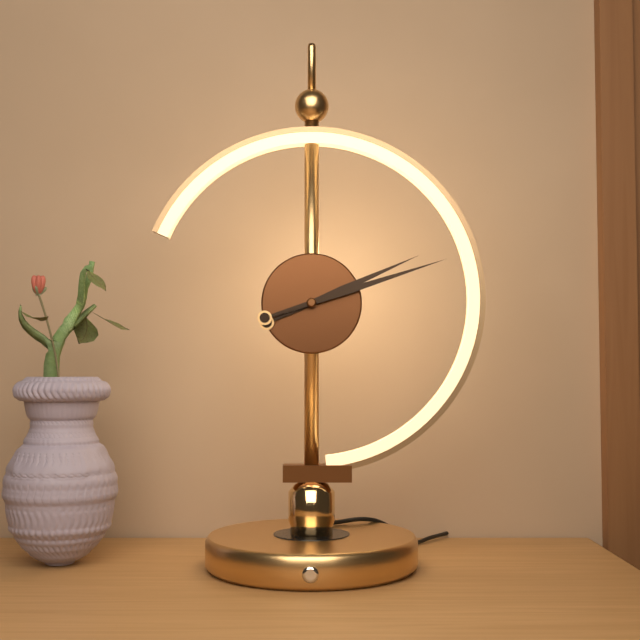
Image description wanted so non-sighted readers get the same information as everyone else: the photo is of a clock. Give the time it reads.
2:12
